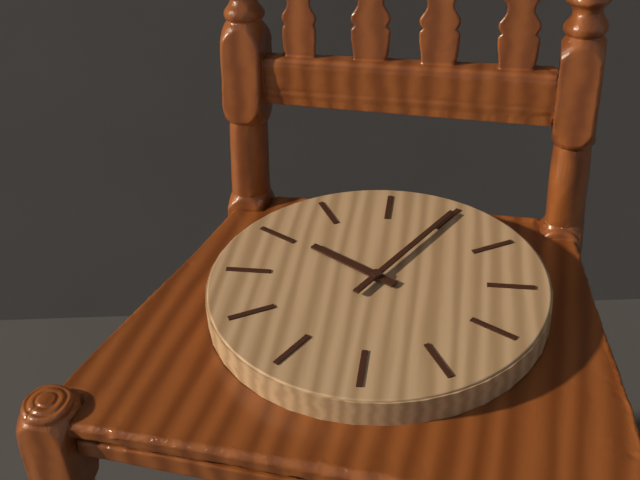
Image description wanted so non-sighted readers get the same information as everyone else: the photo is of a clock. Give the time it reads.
10:05
